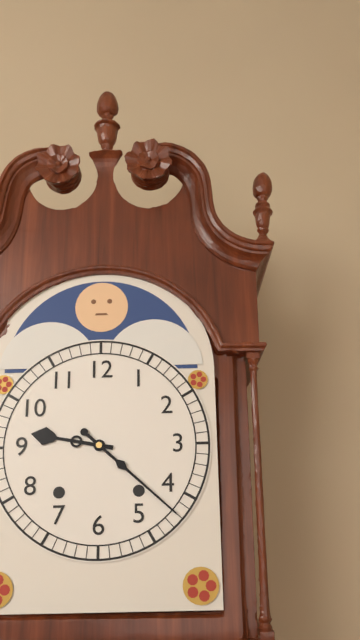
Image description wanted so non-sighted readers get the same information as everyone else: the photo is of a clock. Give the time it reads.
9:22
